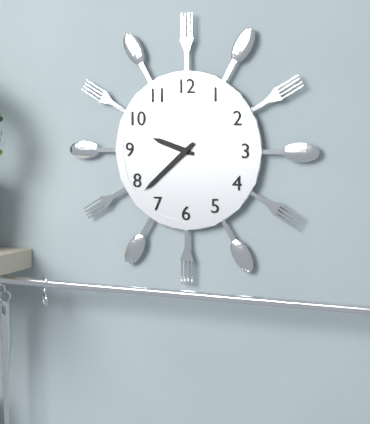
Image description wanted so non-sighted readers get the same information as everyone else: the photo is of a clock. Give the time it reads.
9:38
